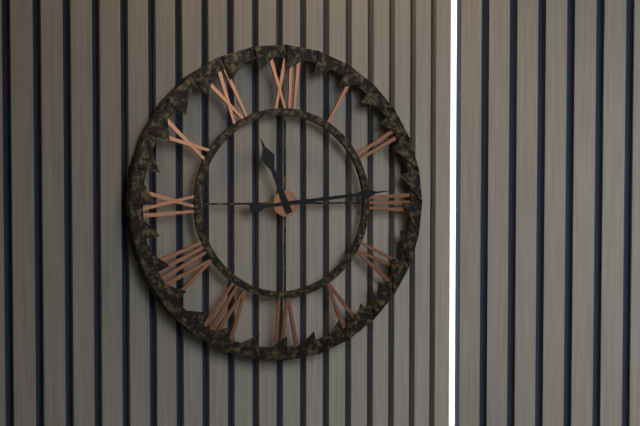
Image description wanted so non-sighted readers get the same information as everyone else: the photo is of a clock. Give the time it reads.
11:14
